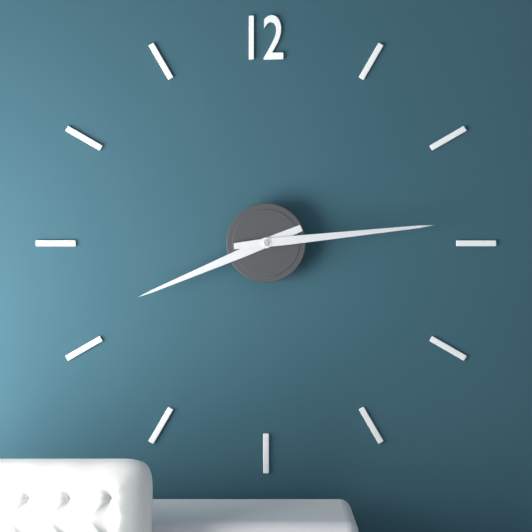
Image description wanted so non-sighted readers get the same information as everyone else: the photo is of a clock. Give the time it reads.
8:14
